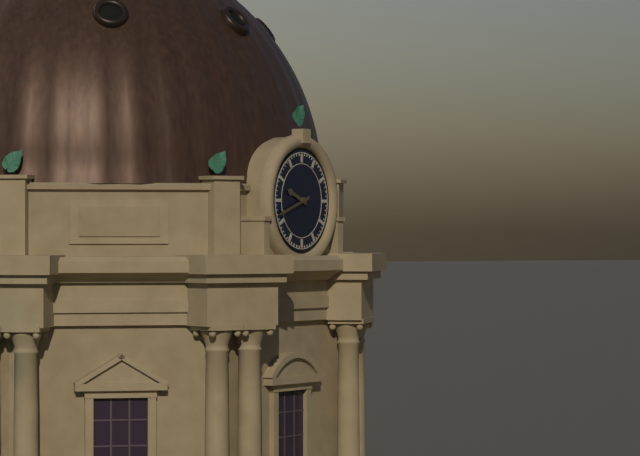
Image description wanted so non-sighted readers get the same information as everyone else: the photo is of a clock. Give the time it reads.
9:42
